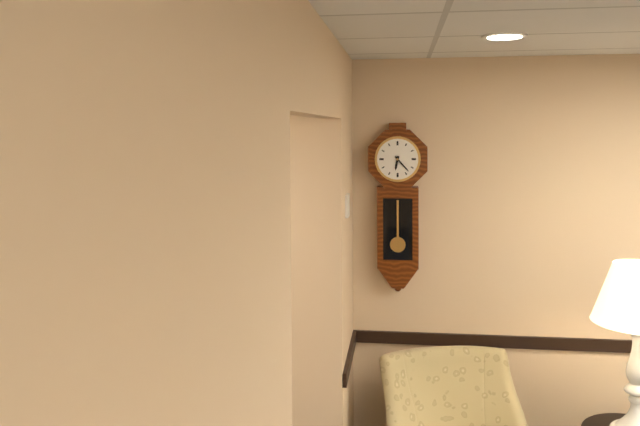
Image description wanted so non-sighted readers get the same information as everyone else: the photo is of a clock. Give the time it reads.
6:23
